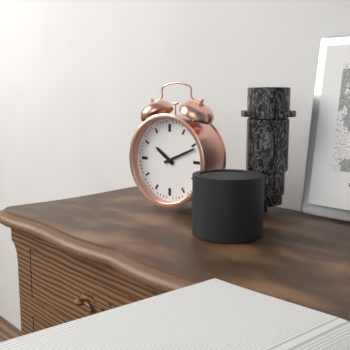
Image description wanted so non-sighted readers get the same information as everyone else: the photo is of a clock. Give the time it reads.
10:11
